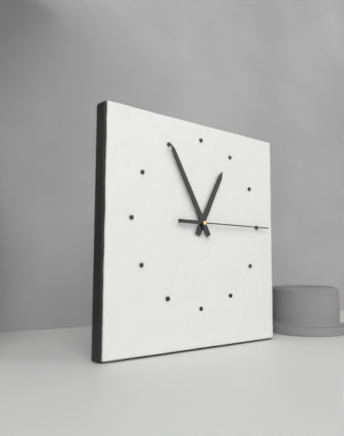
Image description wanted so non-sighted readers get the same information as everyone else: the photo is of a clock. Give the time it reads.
12:55:15
